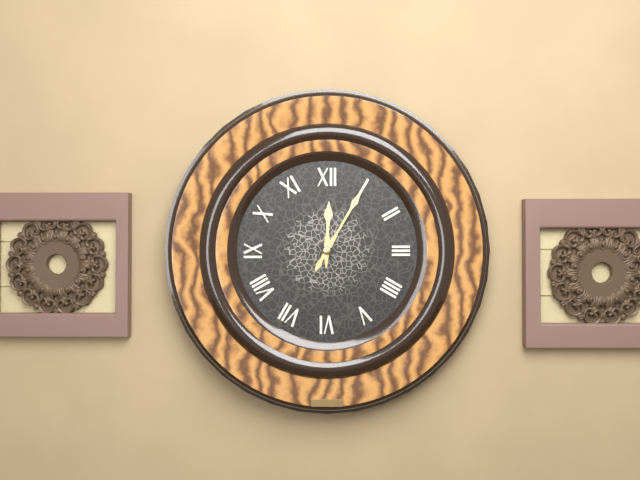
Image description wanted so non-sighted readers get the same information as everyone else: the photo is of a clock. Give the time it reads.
12:05
